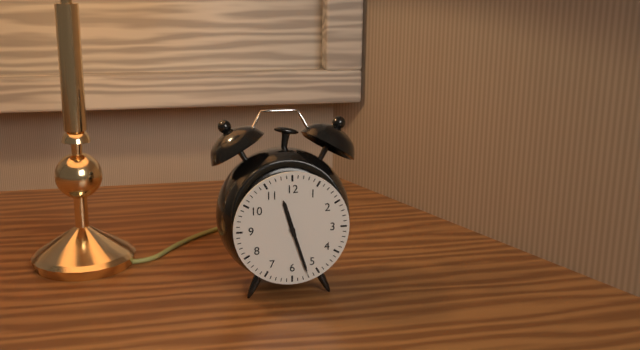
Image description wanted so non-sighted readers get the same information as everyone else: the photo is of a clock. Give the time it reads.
11:27:27
